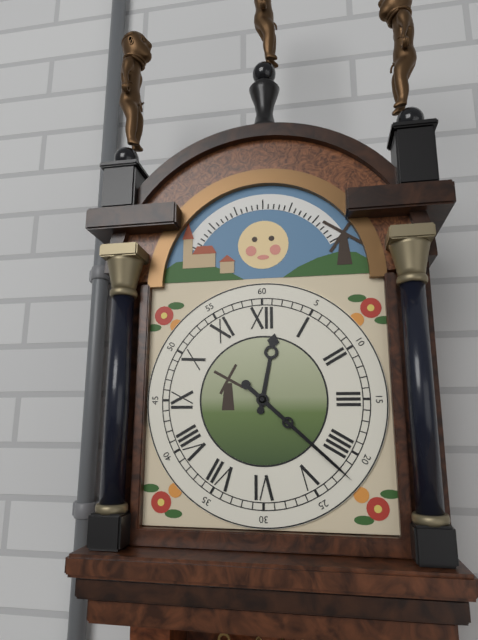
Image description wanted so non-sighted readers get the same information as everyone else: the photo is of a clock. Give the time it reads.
12:22
